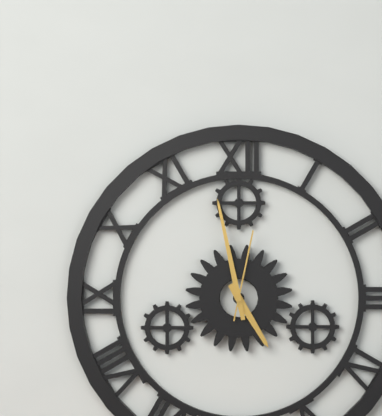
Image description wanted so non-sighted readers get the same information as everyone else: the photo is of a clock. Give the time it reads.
4:58:02
